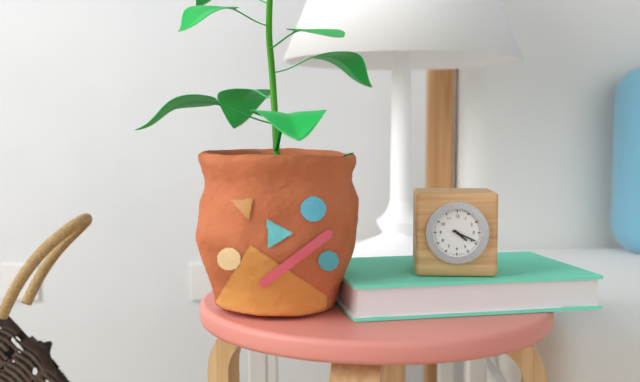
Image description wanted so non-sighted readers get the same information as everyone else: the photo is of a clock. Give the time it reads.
4:19
